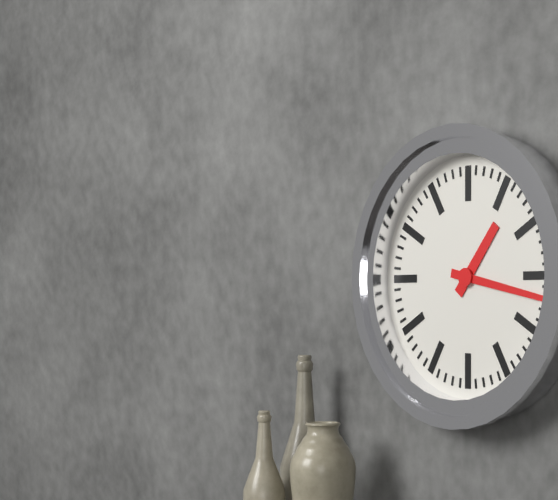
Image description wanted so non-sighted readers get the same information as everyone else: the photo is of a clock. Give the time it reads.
1:17
